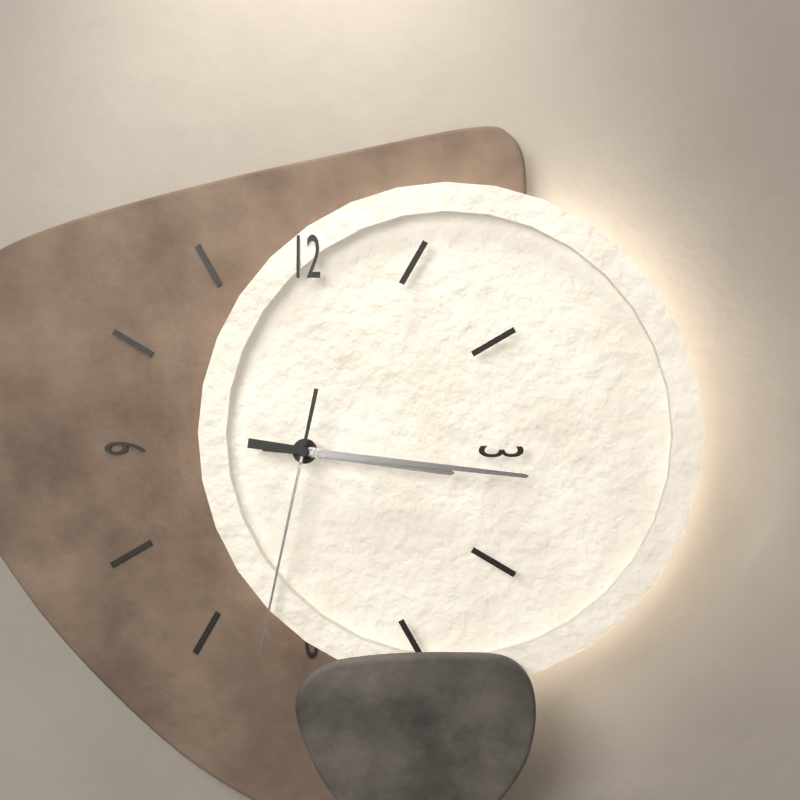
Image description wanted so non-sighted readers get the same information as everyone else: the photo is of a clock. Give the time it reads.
3:16:32
